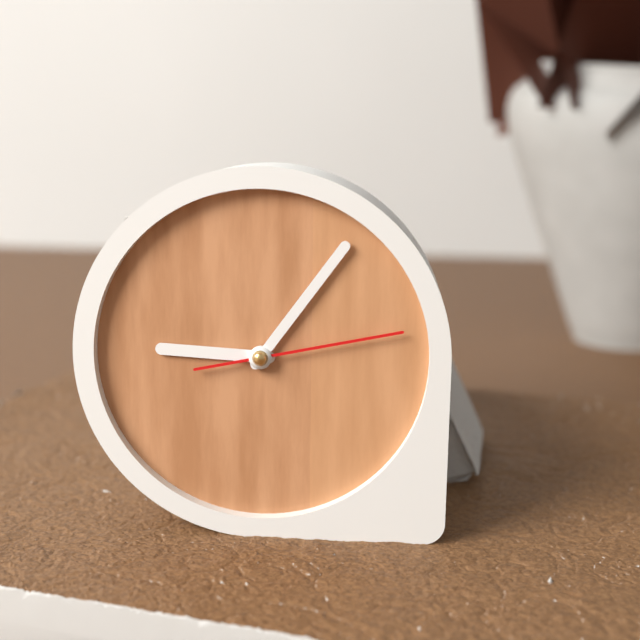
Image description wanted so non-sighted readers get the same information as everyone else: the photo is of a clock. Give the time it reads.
9:06:13
